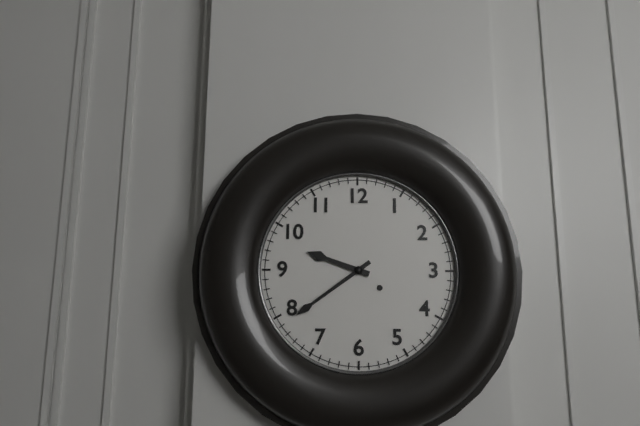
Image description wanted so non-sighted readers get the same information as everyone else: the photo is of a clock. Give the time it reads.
9:39
